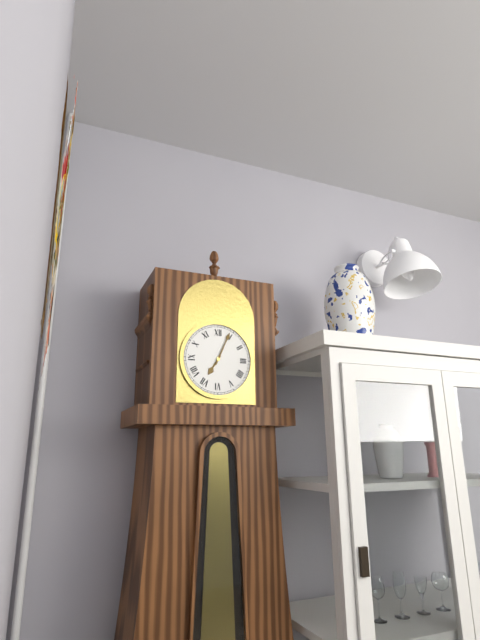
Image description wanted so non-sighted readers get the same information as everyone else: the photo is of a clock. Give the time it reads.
7:04
